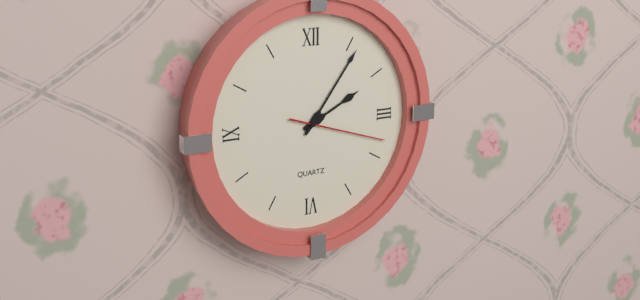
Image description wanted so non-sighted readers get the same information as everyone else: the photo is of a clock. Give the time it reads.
2:06:18
